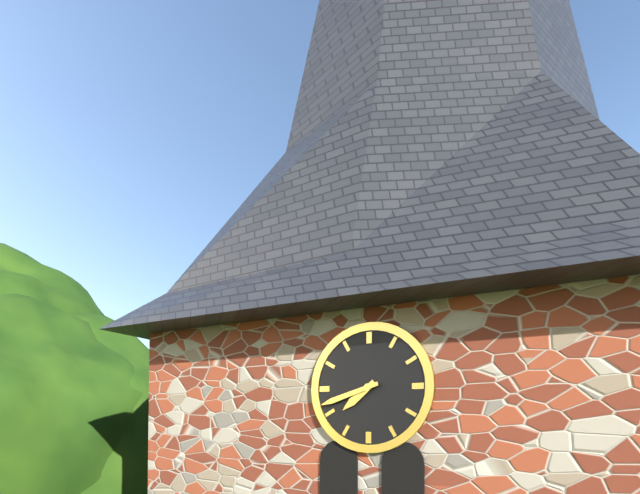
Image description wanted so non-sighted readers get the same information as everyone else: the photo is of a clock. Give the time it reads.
7:42
